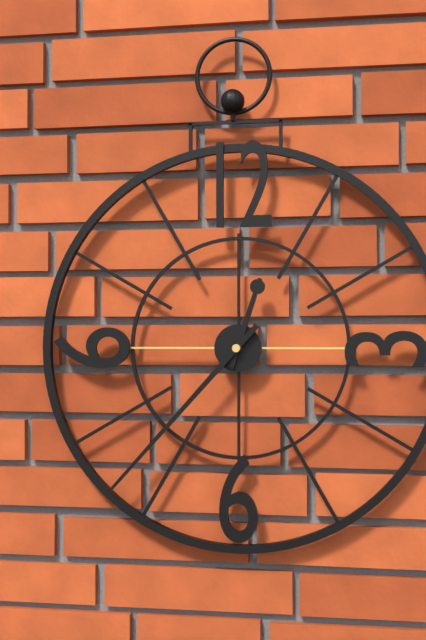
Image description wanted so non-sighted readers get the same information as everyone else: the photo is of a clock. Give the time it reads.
12:37
